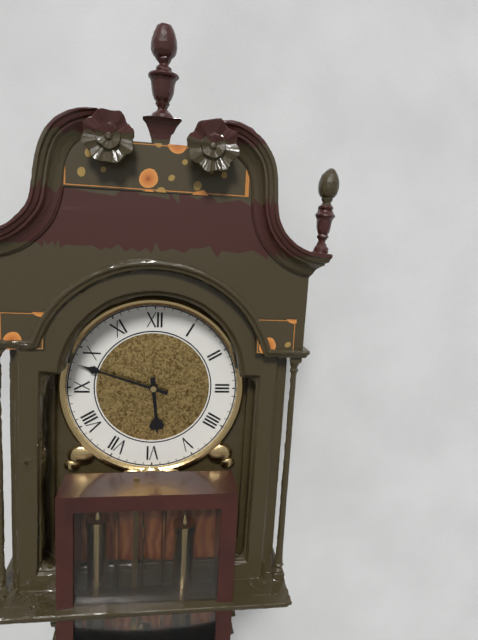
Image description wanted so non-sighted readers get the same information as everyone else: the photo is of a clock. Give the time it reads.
5:48
